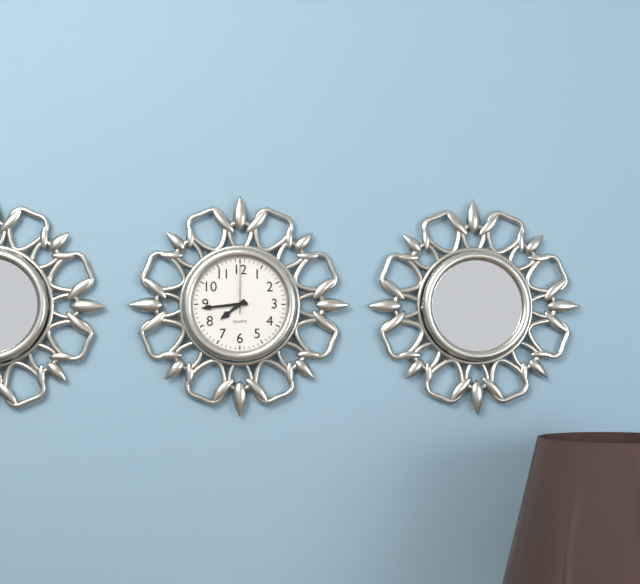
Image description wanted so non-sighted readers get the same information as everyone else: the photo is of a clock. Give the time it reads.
7:44:00
